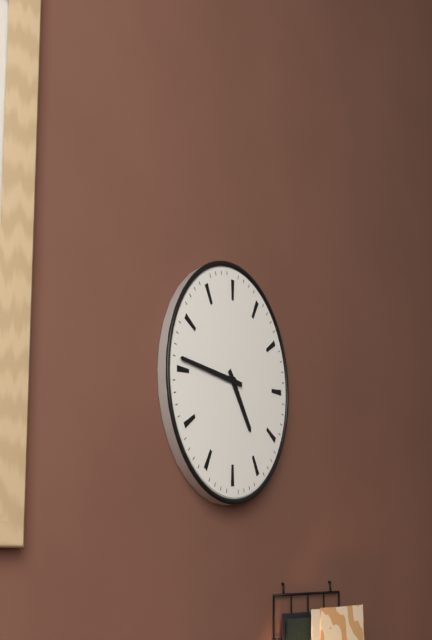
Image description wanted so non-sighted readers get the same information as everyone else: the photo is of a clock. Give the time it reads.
4:46
